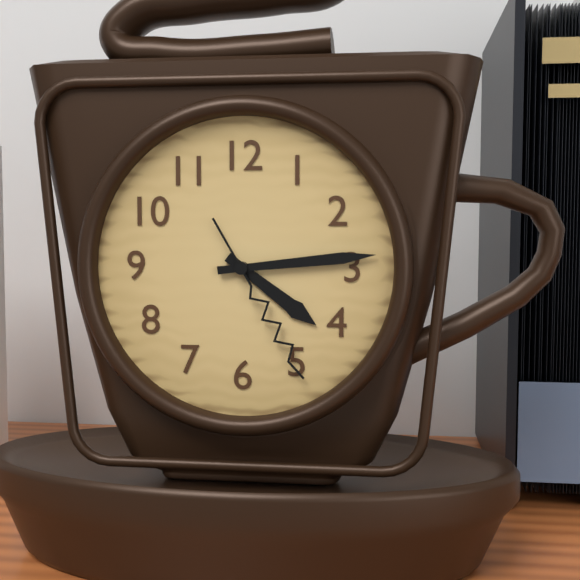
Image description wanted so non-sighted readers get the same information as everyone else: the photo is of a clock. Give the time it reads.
4:14:25
